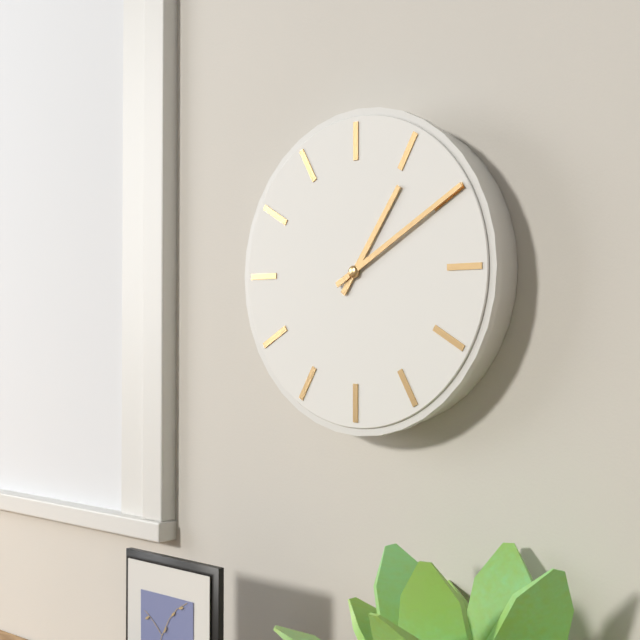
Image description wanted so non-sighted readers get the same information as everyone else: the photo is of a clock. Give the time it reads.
1:10
